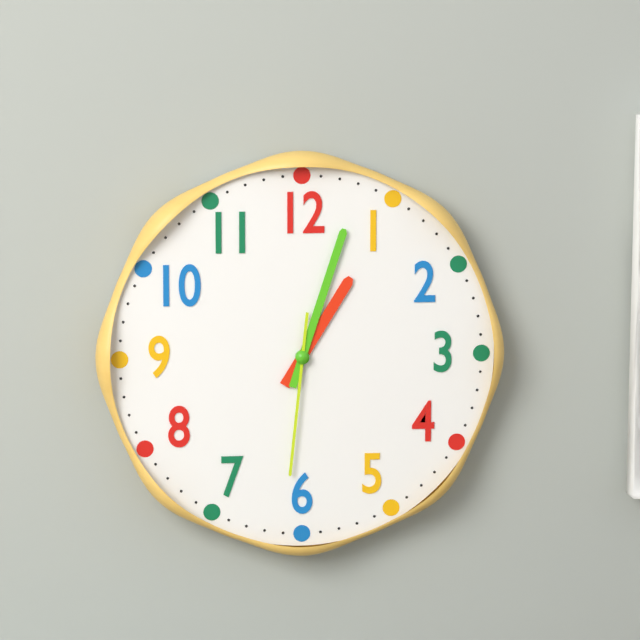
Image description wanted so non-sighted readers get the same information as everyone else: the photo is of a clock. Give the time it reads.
1:03:31
